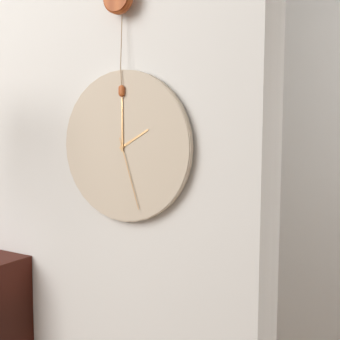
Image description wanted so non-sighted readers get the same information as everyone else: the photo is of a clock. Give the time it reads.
2:00:27
